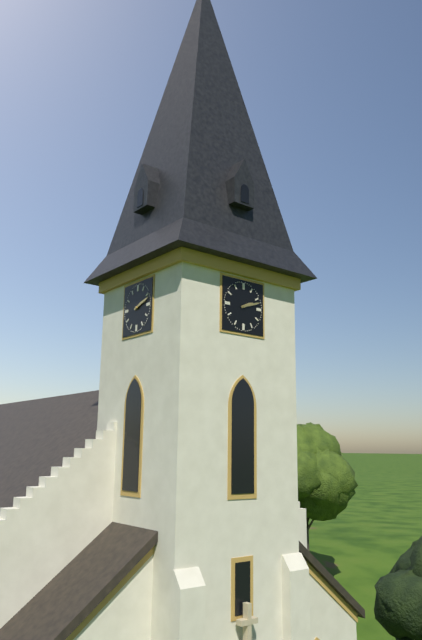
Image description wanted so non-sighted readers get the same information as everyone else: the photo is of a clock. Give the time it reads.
2:12
